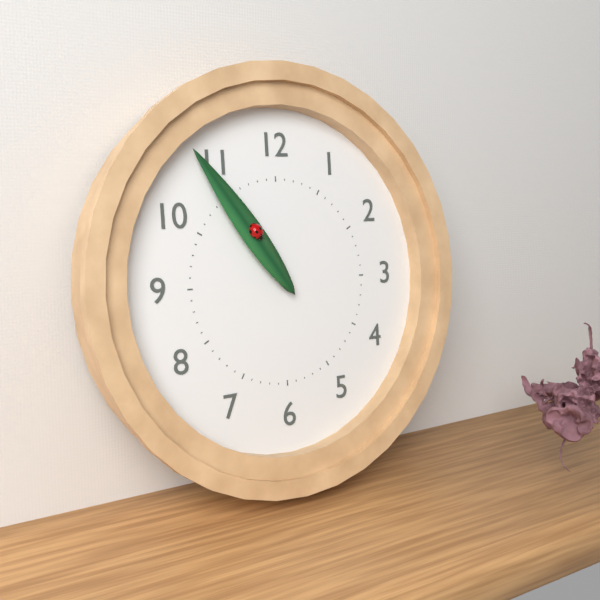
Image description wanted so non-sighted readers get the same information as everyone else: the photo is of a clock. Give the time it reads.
10:54
